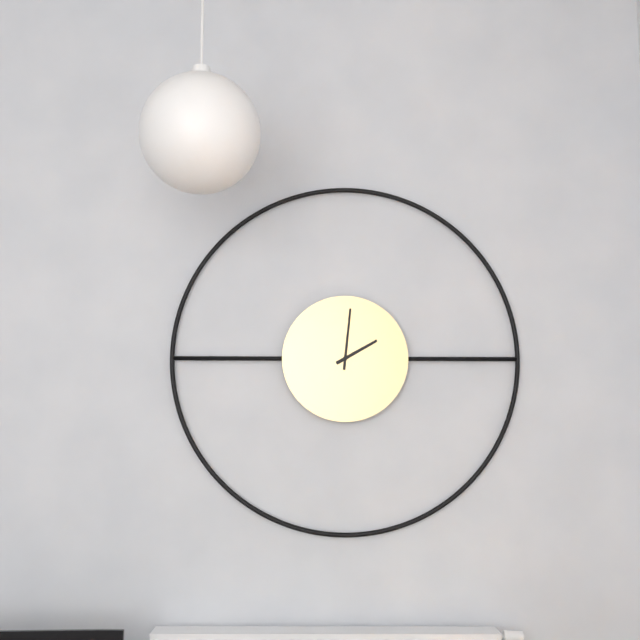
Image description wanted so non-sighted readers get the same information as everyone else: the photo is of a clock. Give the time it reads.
2:01
